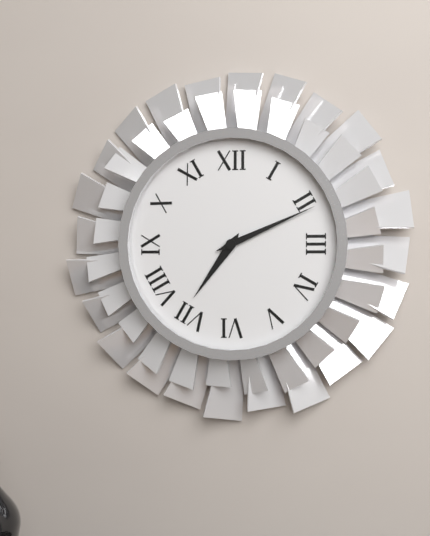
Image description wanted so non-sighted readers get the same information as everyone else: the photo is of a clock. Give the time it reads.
7:11
